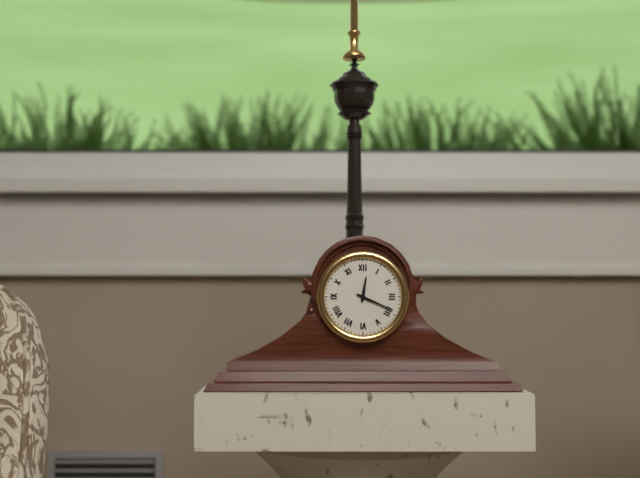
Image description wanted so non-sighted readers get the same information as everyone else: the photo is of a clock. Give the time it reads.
12:19
